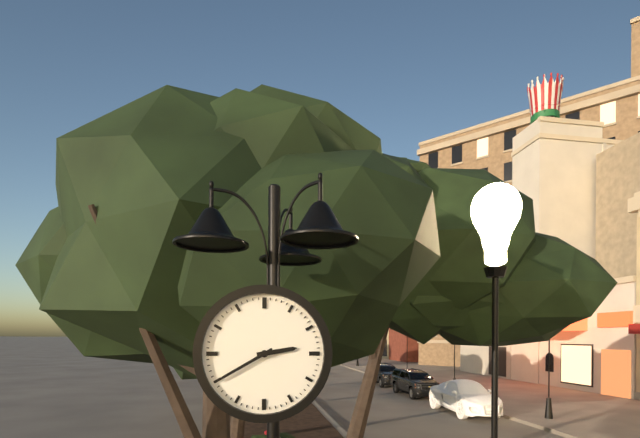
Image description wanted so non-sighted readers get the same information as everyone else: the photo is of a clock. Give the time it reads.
2:40
